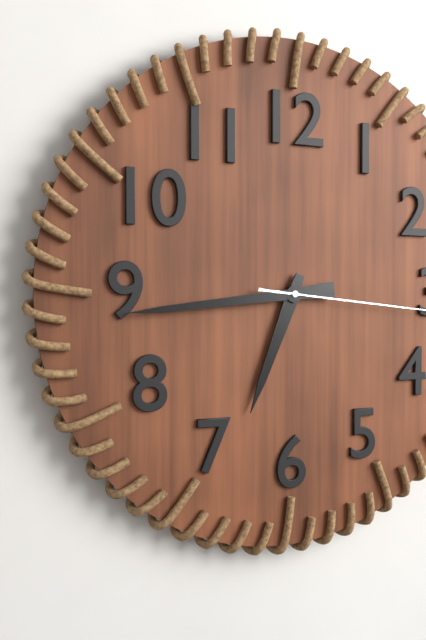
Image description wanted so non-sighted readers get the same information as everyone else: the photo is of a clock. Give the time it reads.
6:44
